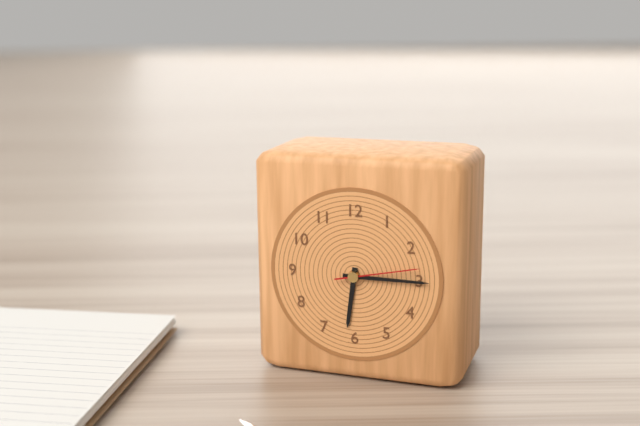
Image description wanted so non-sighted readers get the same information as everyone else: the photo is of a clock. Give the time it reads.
6:15:13
